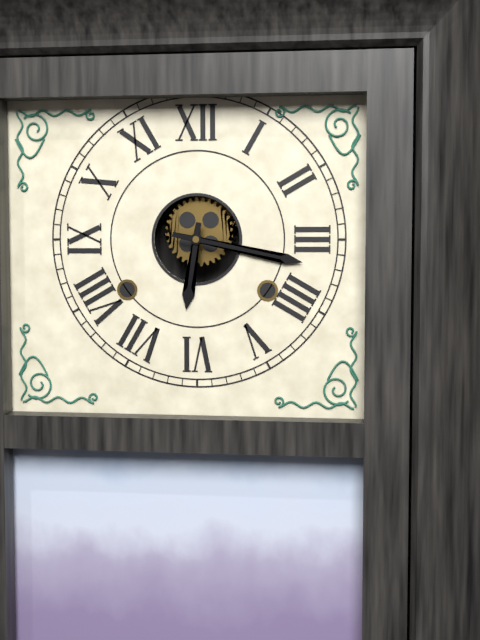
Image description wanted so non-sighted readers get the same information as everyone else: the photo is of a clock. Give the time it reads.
6:17
